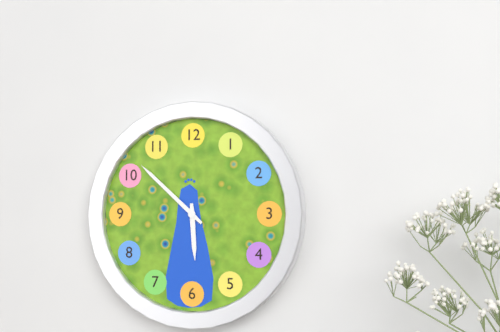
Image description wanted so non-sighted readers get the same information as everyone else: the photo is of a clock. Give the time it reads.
5:52
